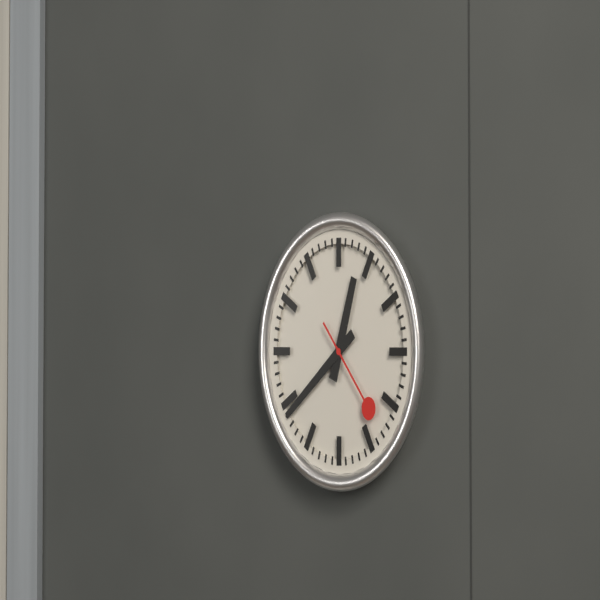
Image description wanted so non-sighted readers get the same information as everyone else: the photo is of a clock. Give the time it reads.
12:39:23
